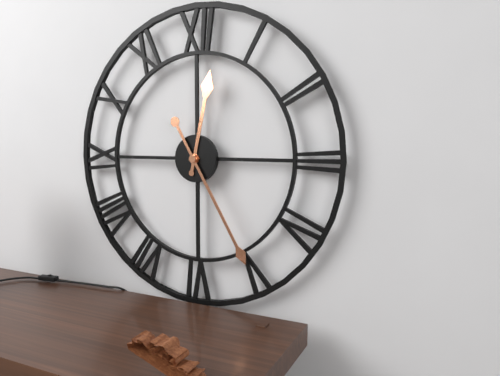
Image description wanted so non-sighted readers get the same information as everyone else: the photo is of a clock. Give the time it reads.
12:25
